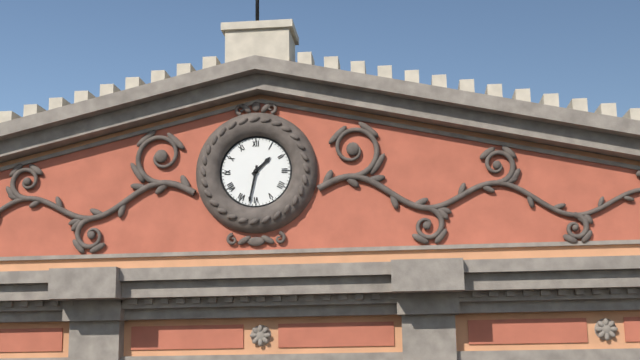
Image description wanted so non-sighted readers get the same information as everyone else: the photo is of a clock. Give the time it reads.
1:32
